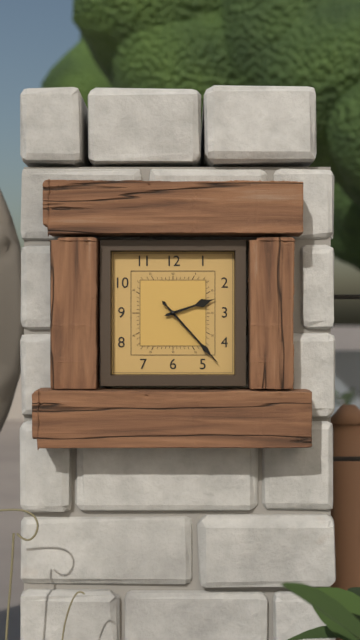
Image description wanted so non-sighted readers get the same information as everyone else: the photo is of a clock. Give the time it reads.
2:23
